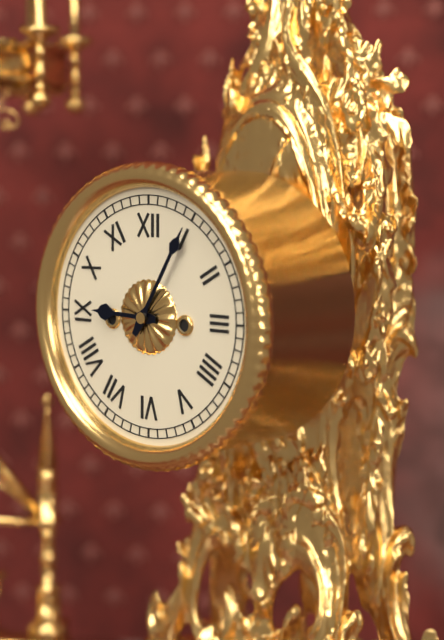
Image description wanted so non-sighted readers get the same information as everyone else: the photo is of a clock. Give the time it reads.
9:05
